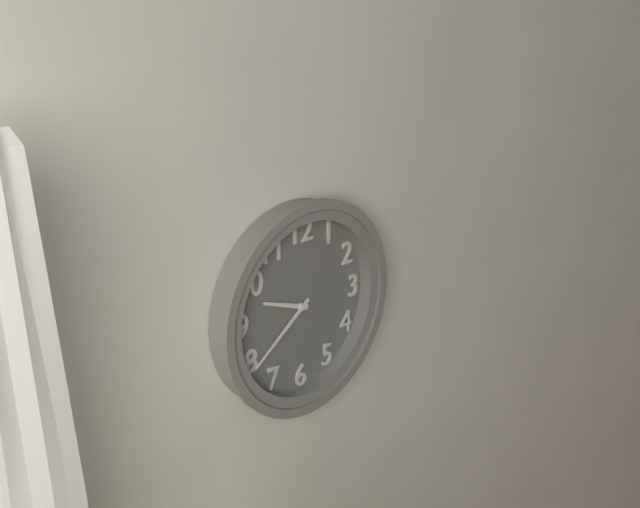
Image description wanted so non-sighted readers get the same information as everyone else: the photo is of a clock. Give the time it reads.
9:39
